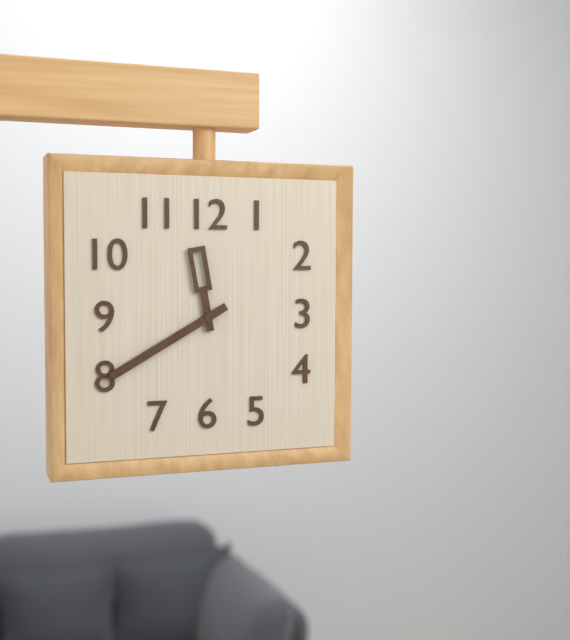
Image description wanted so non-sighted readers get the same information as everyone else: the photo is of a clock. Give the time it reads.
11:40
